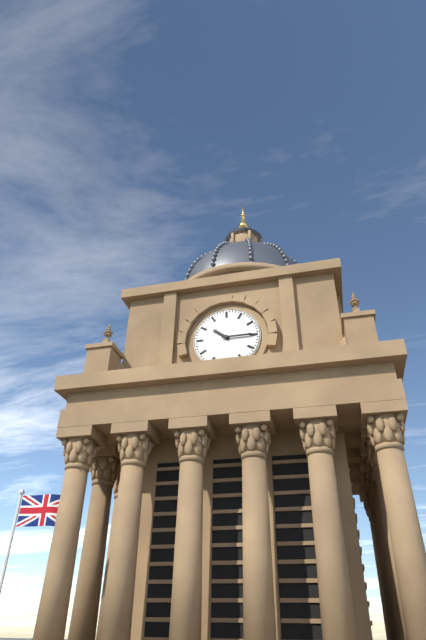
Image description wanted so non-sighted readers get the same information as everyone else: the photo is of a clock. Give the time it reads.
10:15
